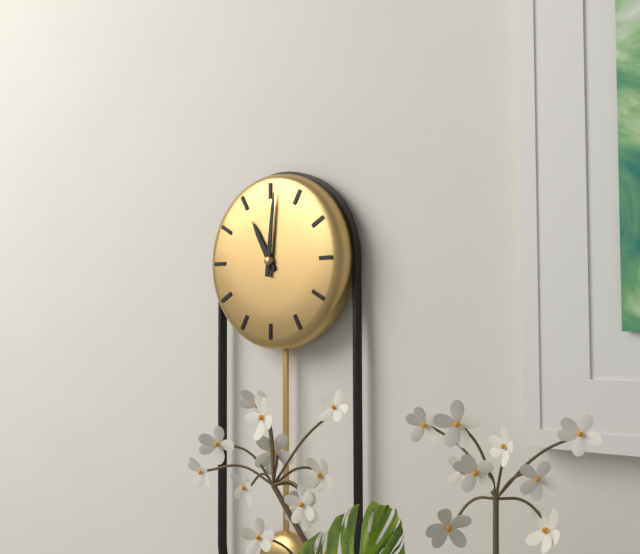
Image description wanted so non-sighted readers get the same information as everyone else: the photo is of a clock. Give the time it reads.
11:01
